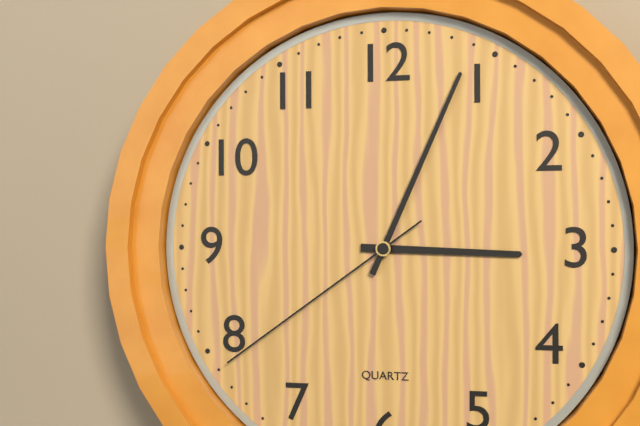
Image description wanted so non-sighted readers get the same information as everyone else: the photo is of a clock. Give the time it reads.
3:04:39
